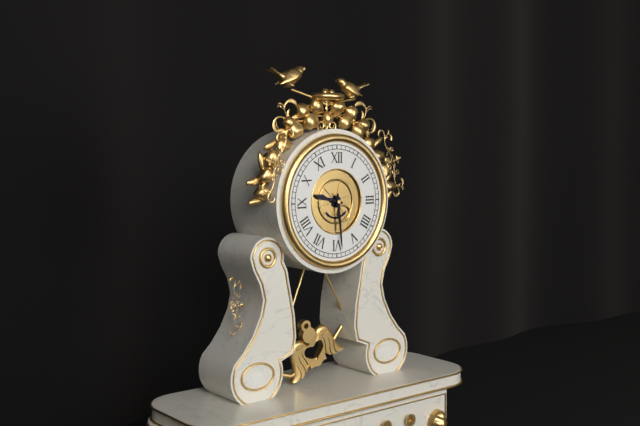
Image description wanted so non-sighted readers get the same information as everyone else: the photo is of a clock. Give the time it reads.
9:29
